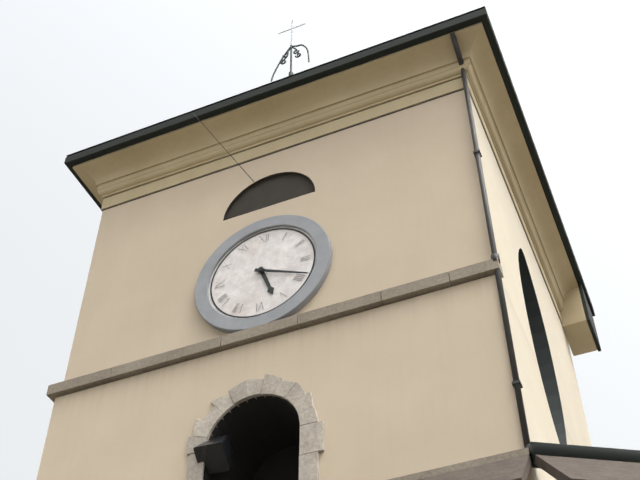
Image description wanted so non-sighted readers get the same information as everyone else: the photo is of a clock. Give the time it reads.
5:19
